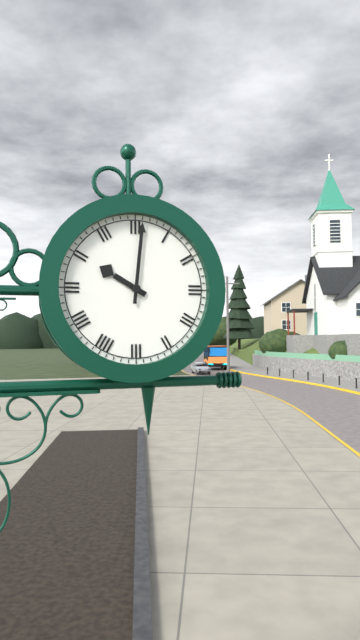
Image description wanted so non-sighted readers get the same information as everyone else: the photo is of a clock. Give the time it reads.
10:01
